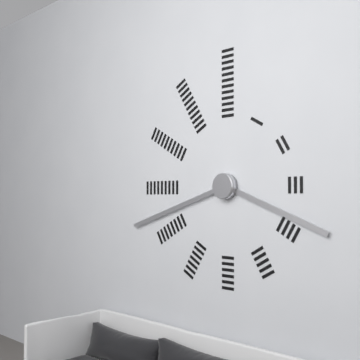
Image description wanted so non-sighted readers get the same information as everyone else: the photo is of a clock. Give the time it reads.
3:42
